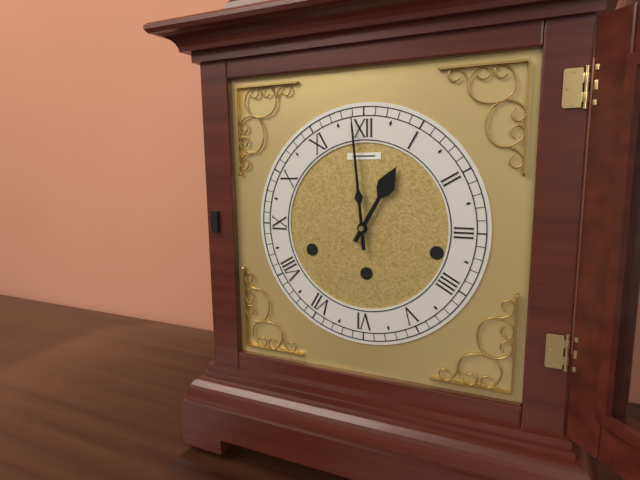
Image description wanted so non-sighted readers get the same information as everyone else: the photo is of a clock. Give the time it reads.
12:59
